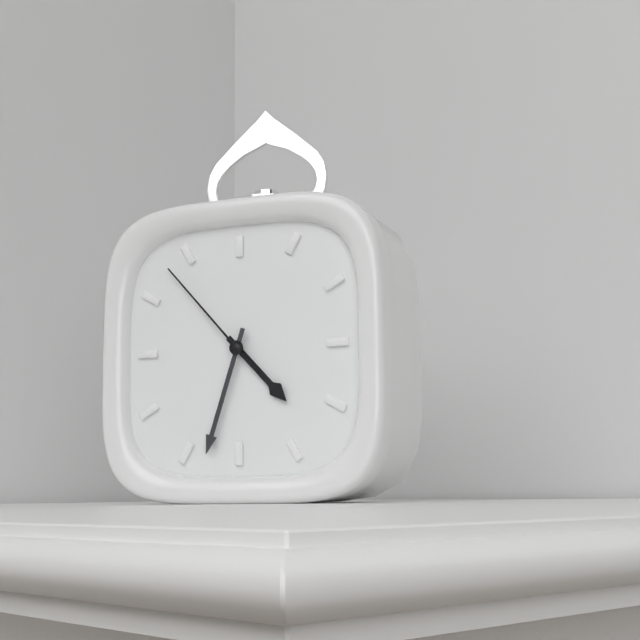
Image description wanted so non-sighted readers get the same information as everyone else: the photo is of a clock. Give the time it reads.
4:33:53
